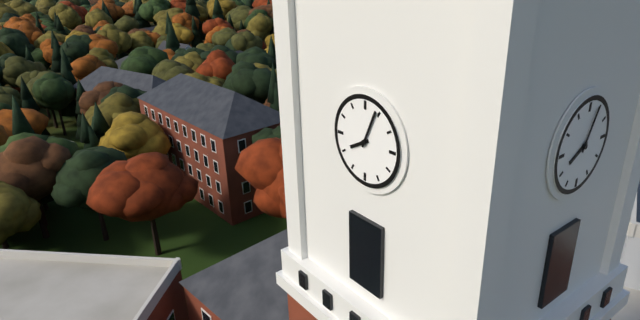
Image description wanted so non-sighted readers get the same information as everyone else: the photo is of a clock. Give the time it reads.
8:04
